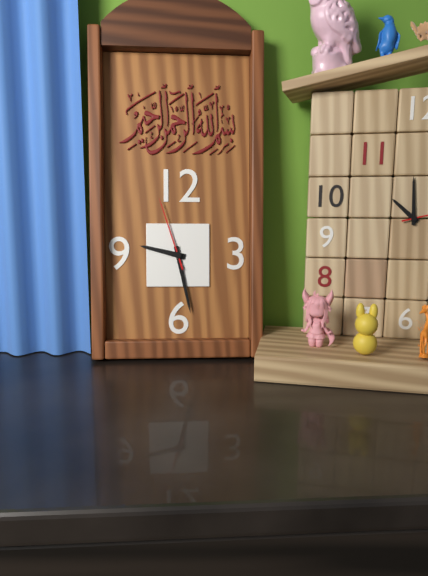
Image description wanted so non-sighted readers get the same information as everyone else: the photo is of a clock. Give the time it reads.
9:28:57
